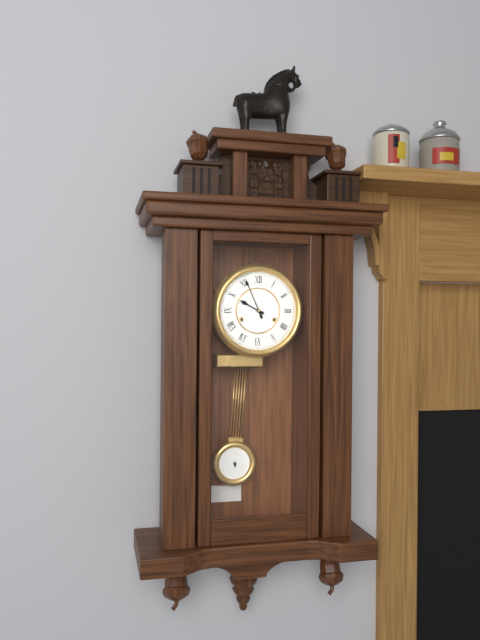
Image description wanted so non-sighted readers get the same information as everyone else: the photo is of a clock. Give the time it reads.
9:56
